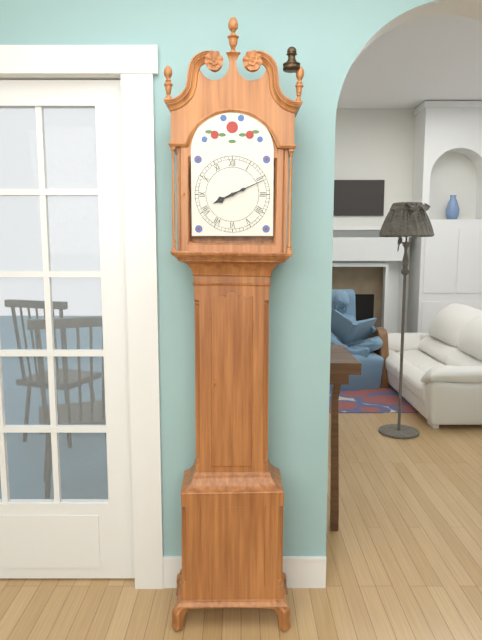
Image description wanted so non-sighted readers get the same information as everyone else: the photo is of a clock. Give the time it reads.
8:11
